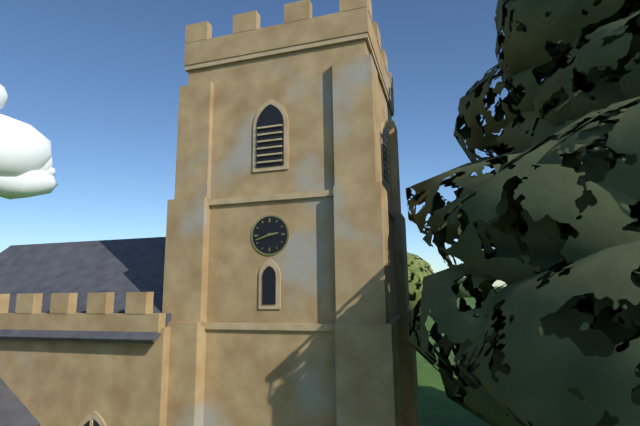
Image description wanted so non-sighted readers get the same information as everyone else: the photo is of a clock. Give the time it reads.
2:42
